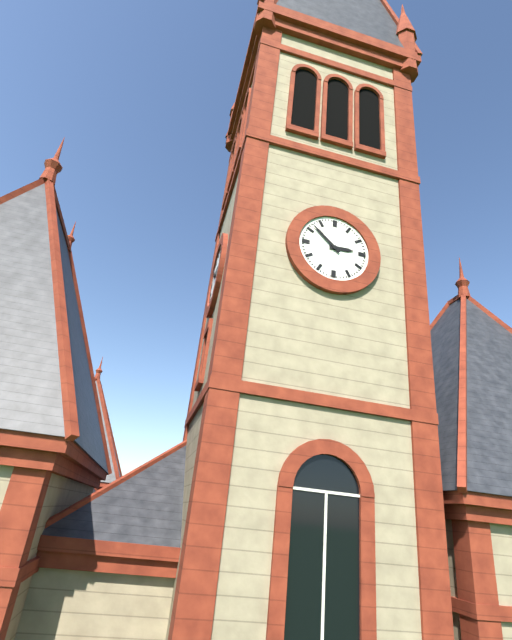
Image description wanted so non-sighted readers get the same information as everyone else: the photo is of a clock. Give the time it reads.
2:52
